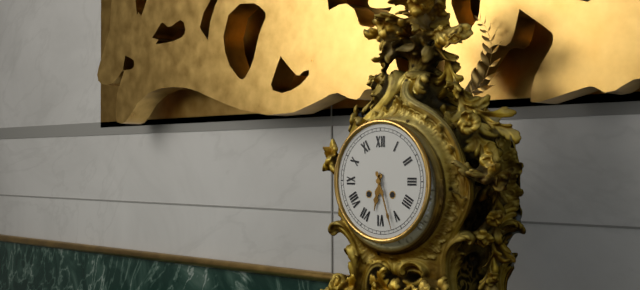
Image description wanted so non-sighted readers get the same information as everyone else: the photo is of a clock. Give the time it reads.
6:27
